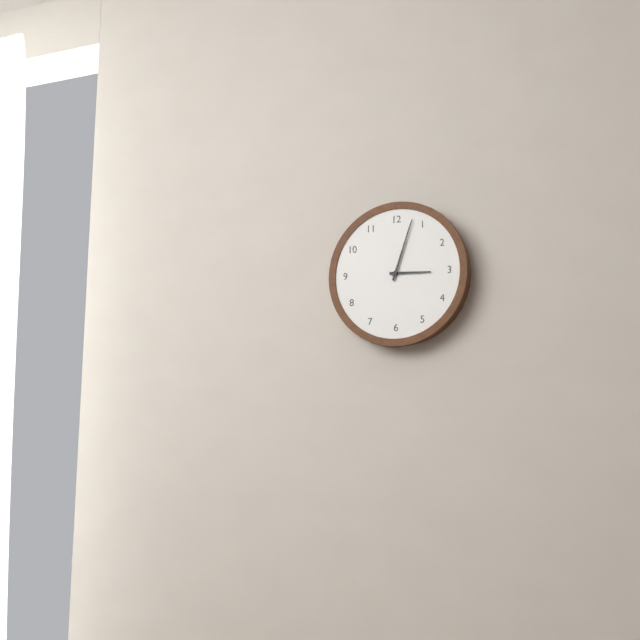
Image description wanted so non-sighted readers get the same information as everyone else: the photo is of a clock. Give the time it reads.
3:03
